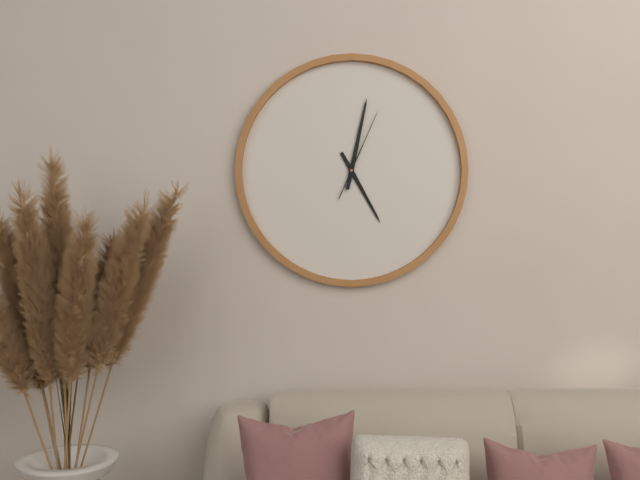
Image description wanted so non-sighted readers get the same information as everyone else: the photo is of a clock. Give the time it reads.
5:02:04
